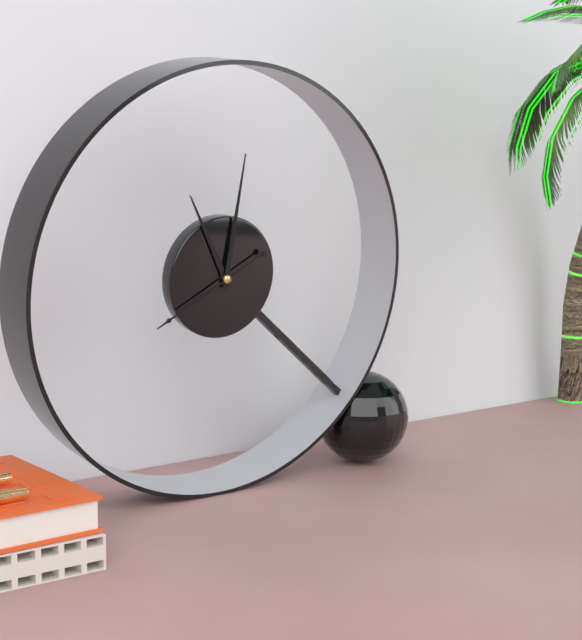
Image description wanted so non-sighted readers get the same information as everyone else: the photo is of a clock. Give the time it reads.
11:01:40
